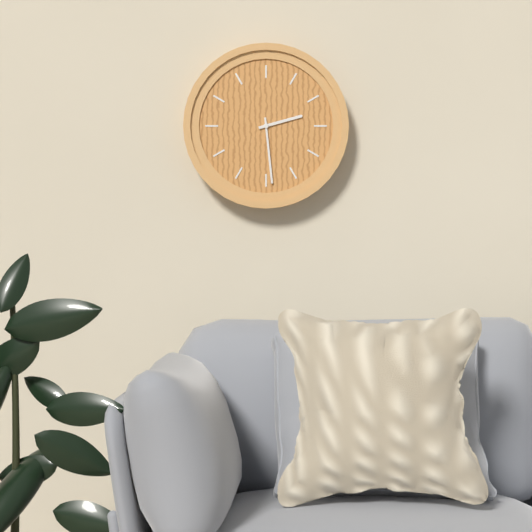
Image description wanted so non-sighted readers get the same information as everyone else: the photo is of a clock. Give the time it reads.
2:29
